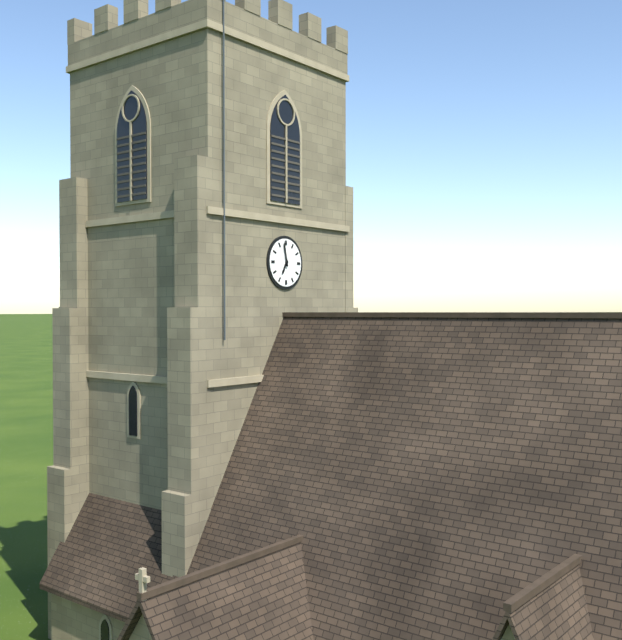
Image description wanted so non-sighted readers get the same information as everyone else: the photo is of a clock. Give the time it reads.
6:58
